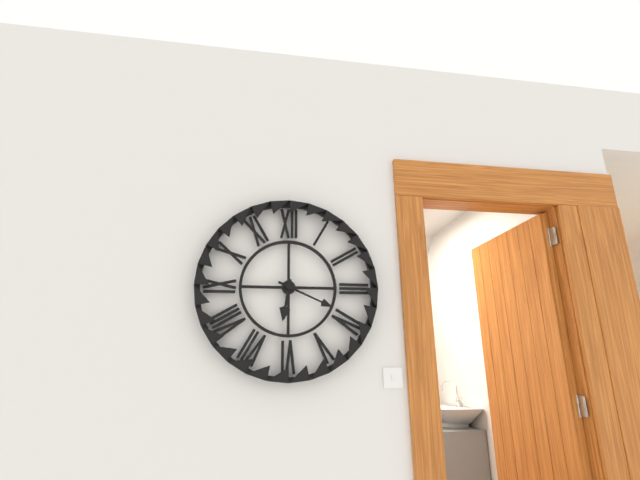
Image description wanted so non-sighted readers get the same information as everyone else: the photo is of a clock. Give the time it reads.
6:19
